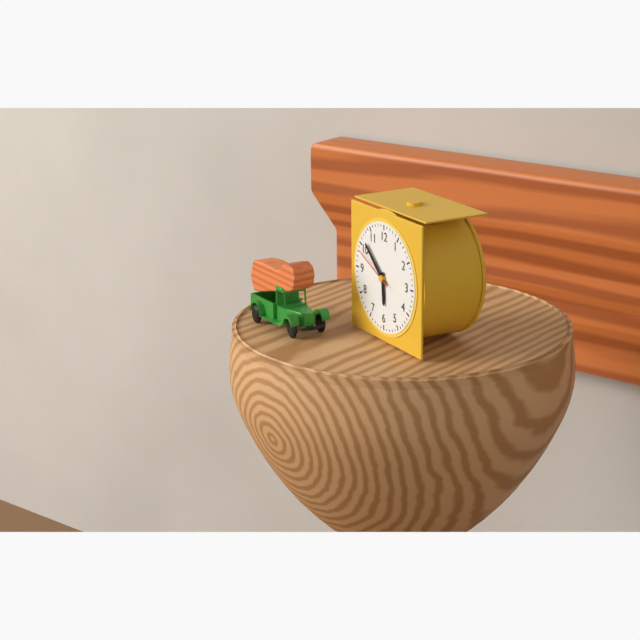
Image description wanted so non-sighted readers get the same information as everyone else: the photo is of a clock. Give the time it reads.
5:52
